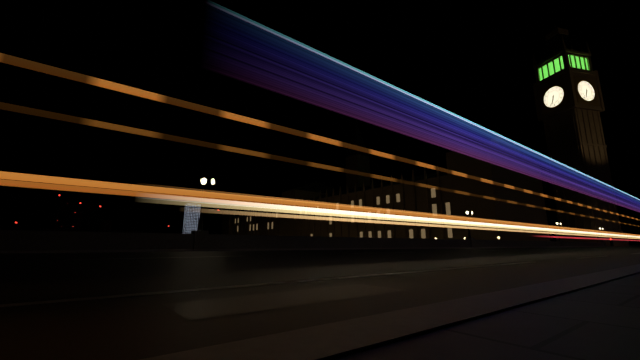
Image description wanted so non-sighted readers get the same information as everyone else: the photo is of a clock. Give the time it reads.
6:33
